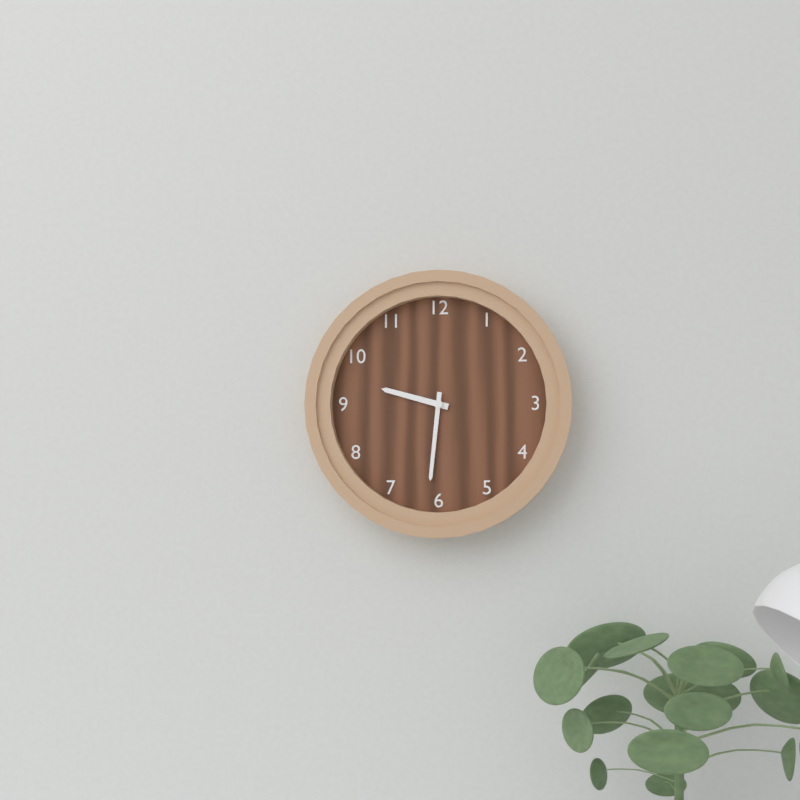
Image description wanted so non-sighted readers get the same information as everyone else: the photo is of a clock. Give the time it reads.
9:31
